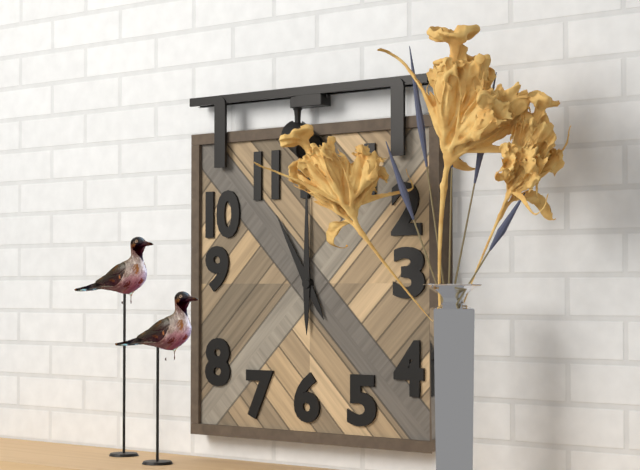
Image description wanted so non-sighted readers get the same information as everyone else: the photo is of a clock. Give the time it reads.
11:00
